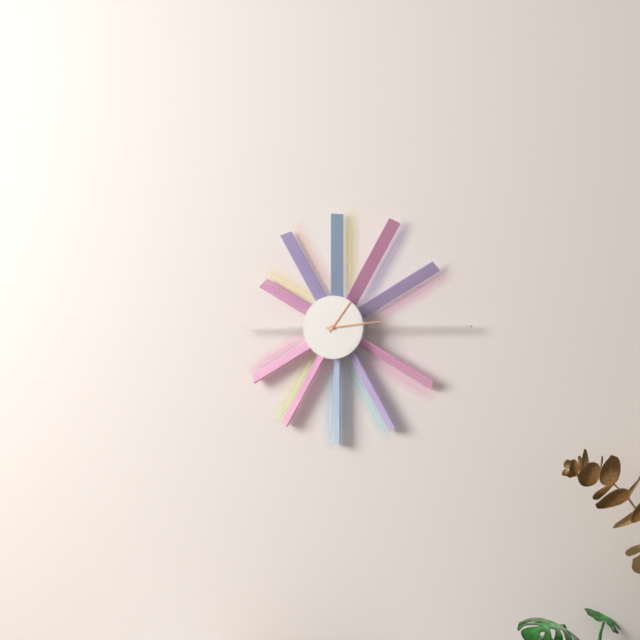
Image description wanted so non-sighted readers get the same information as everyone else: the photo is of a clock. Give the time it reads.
1:14
